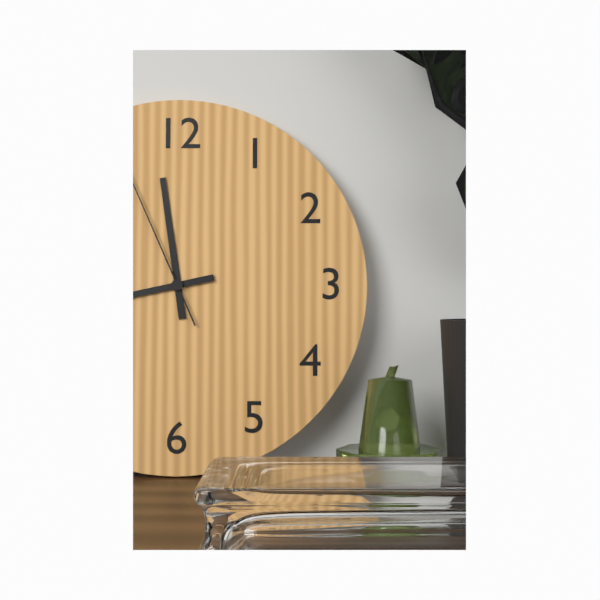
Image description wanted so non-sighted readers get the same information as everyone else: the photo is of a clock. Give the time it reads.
11:43:56
